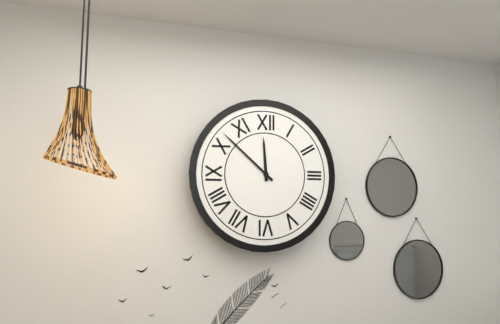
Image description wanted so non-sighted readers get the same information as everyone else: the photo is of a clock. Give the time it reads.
11:52
